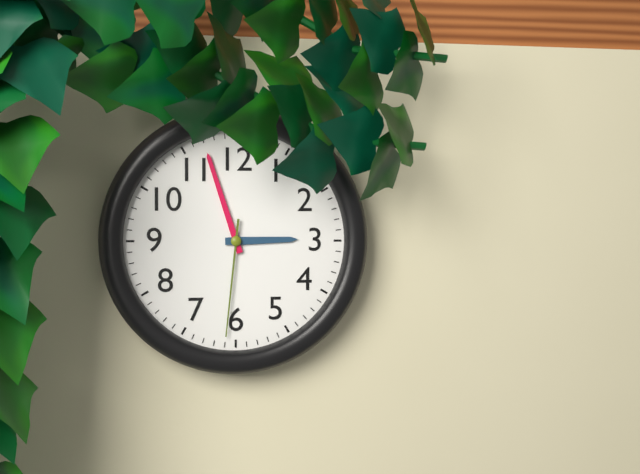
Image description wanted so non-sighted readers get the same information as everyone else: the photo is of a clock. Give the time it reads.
2:57:31
